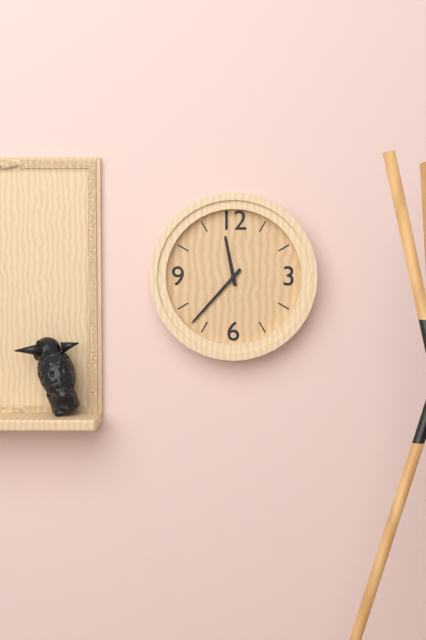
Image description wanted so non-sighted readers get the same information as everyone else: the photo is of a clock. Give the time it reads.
11:37
